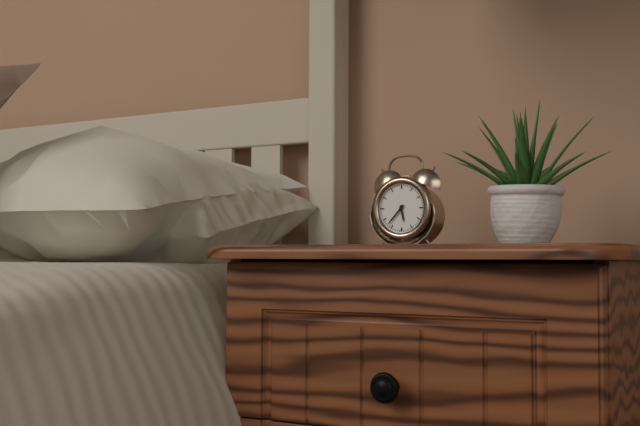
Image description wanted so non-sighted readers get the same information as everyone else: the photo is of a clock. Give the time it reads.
5:37
